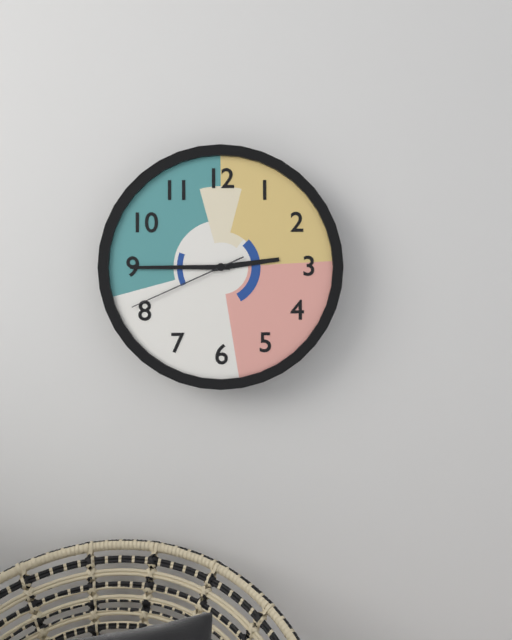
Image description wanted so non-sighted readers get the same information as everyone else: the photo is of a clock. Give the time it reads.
2:45:41
